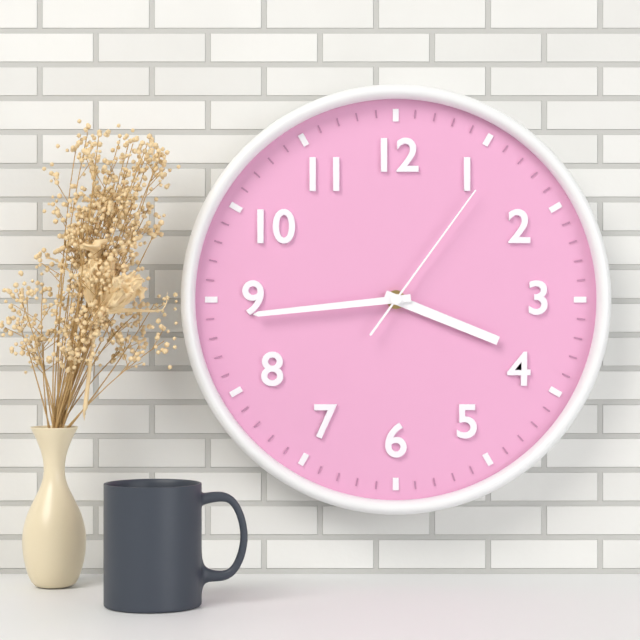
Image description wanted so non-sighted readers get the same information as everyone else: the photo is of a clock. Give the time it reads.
3:44:06
